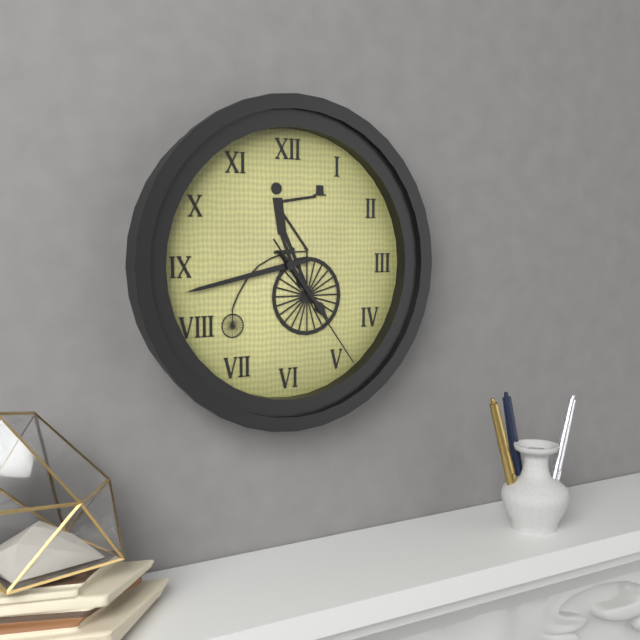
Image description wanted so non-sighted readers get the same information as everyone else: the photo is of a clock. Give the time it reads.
4:43:24
